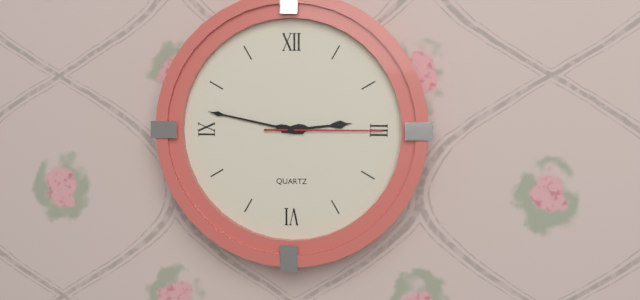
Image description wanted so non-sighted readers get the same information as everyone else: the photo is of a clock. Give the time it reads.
2:47:15
